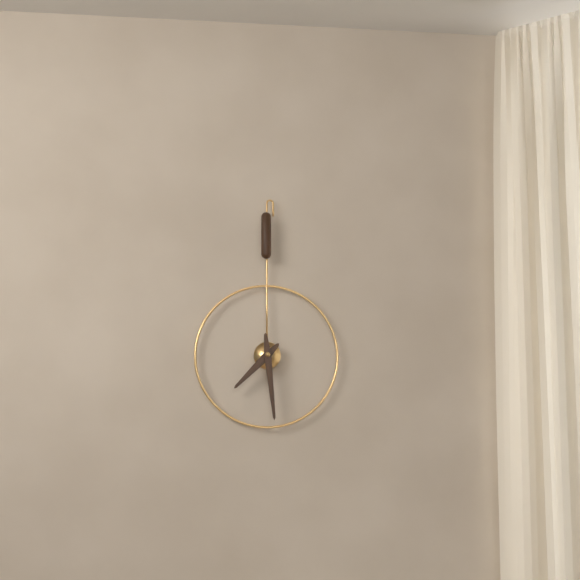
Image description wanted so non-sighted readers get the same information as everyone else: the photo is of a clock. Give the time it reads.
7:29
